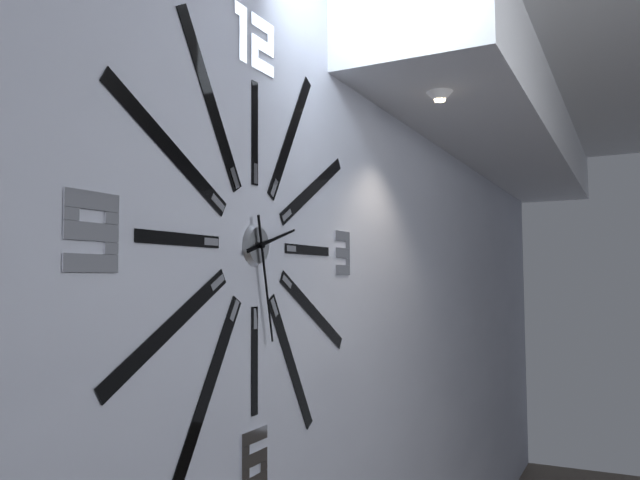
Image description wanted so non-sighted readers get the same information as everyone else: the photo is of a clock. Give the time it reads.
2:28
